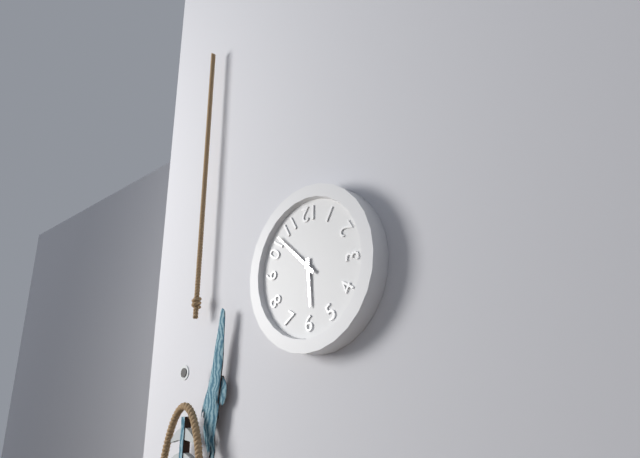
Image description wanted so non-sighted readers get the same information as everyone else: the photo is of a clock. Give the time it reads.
5:52
